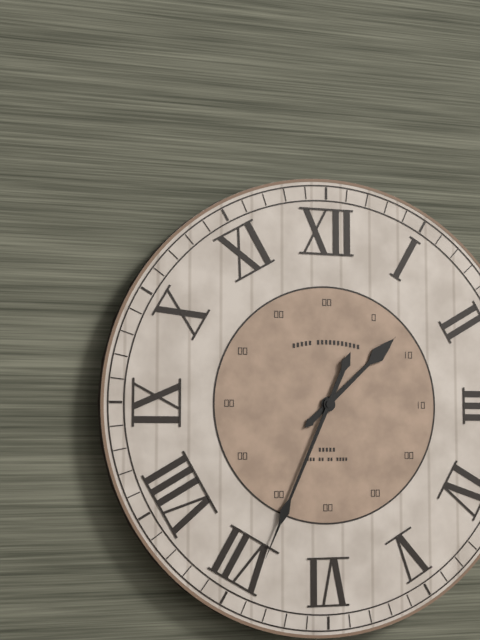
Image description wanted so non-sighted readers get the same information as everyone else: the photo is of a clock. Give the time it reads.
1:34
